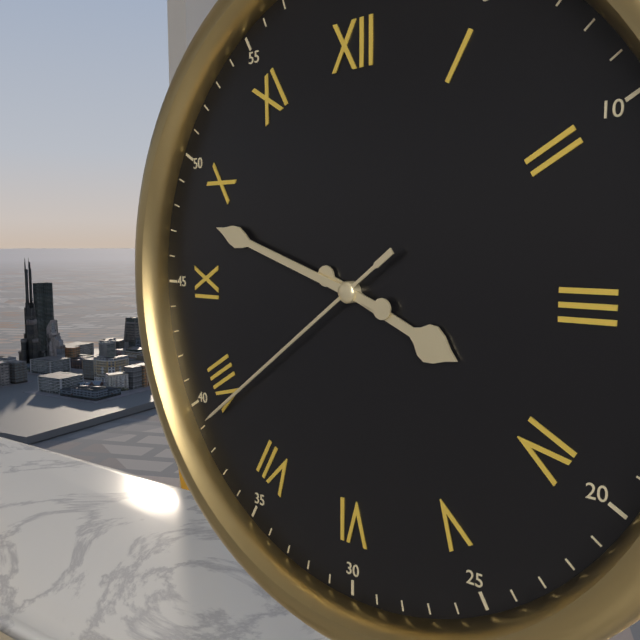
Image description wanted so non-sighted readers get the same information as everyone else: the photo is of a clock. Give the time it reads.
3:48:39
